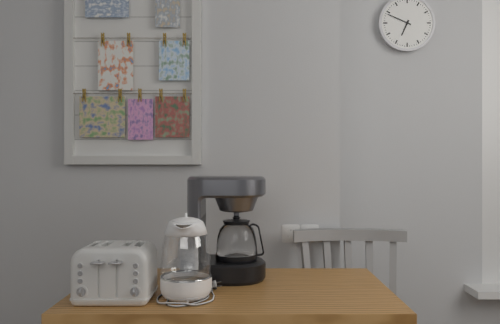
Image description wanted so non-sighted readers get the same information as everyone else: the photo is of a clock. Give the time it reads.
6:49
